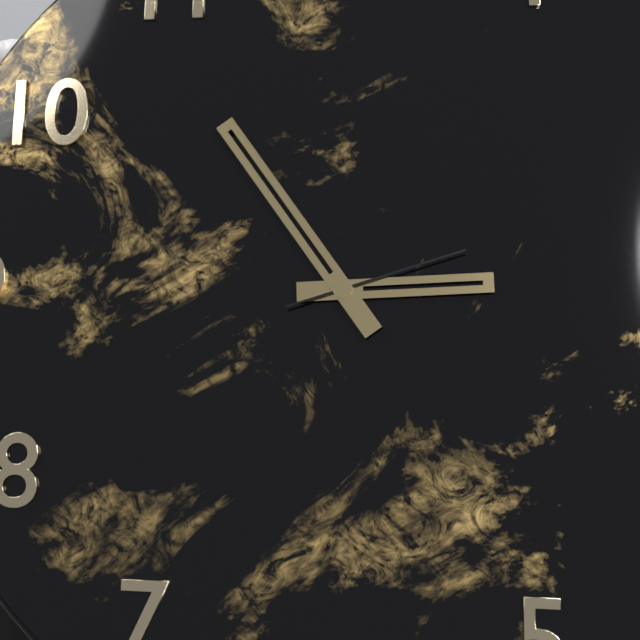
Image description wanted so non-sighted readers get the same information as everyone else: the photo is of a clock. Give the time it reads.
2:54:12
